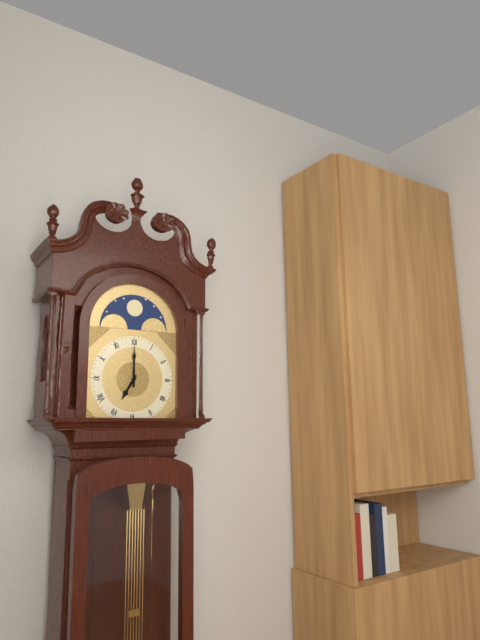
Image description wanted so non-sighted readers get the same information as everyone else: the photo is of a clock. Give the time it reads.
7:00
